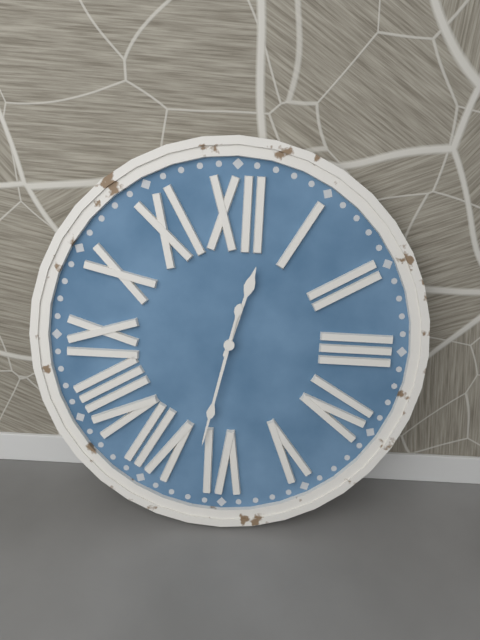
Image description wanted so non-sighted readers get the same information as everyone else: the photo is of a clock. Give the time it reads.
12:32
